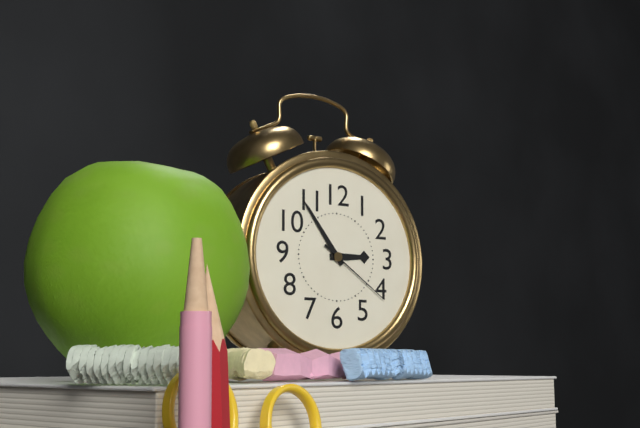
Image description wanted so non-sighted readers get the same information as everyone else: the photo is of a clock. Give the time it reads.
2:54:21
